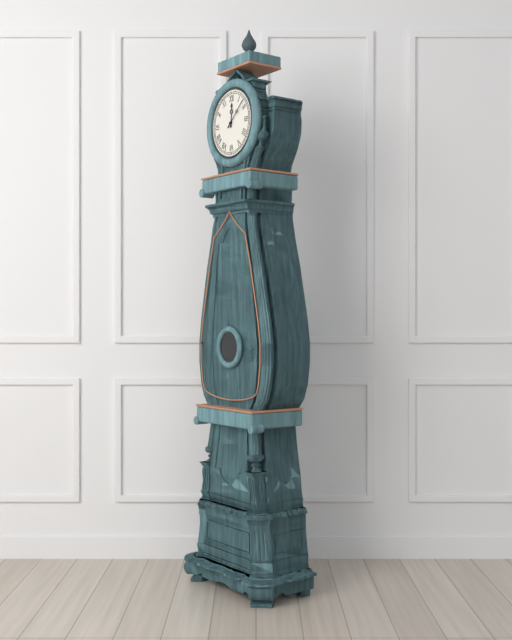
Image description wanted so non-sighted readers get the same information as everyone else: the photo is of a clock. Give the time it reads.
12:08
